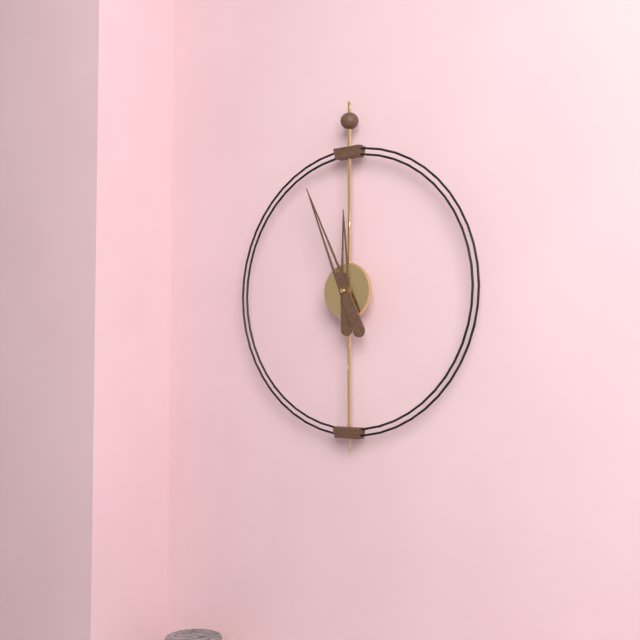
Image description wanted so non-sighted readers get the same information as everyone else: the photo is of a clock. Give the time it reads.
11:56
